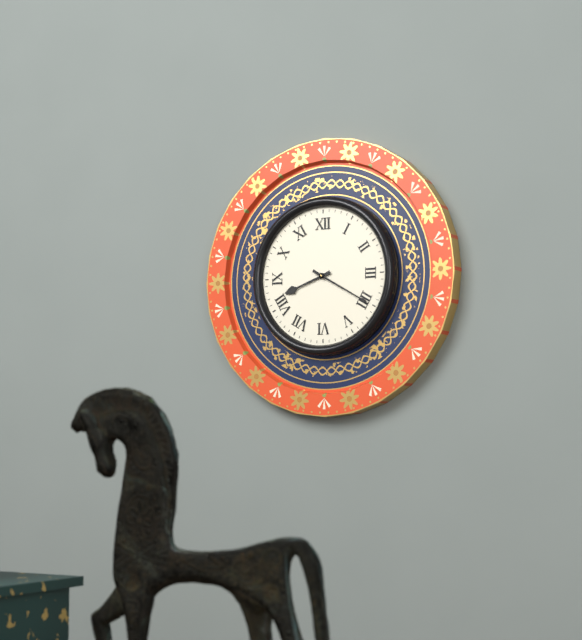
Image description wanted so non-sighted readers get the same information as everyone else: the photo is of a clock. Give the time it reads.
8:20
